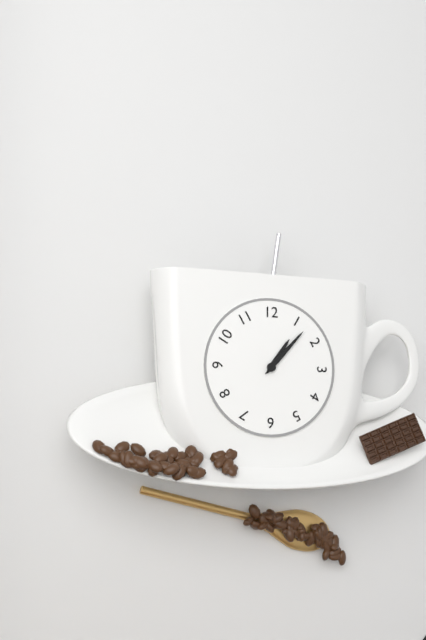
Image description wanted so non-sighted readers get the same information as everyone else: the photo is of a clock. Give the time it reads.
1:07
